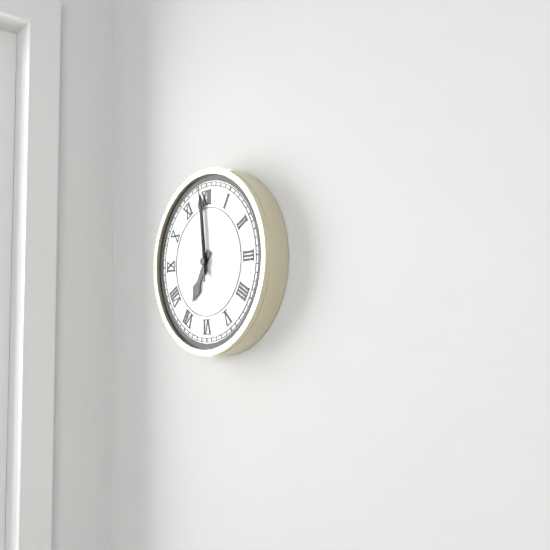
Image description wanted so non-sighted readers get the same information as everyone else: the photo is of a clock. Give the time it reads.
6:59:59
